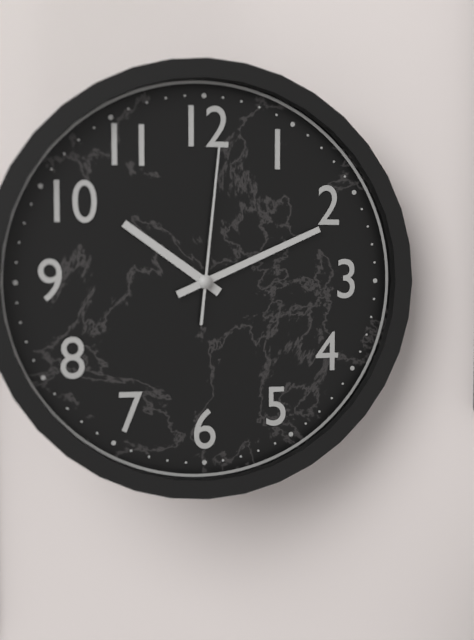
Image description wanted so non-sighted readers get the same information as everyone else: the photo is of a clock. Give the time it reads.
10:11:01
